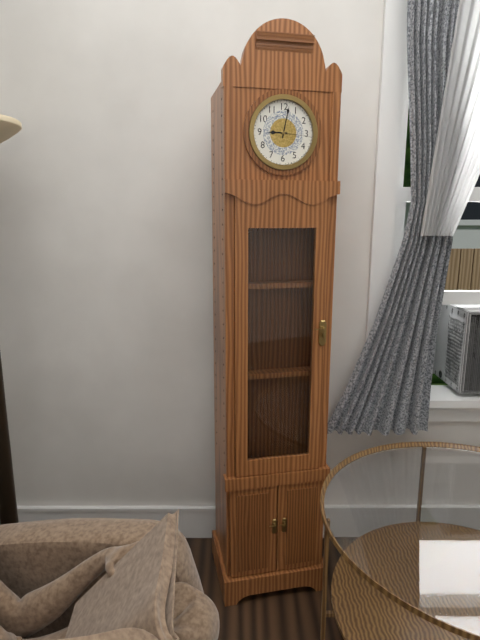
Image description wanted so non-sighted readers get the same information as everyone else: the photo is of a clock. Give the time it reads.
9:02
